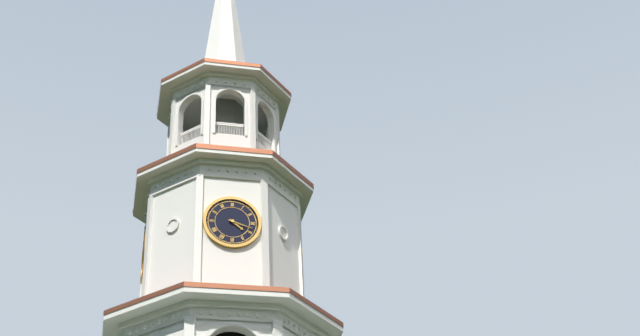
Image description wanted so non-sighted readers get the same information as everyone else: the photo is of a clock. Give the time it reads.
4:18
